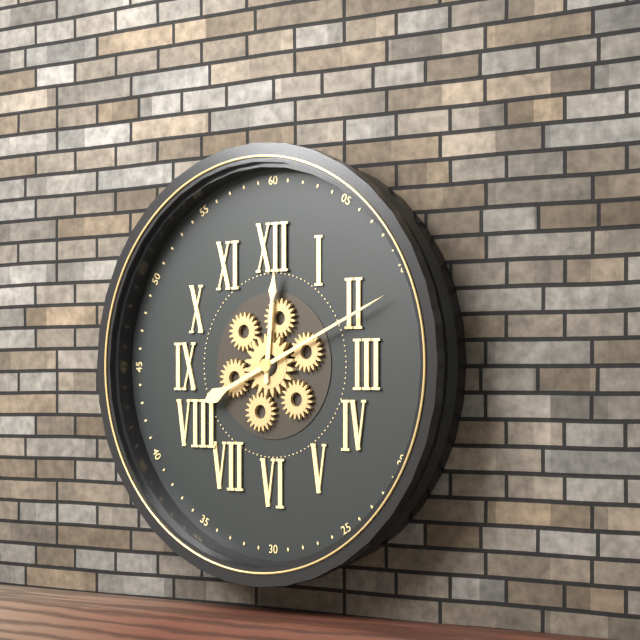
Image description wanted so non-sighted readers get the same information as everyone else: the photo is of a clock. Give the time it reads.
12:11
